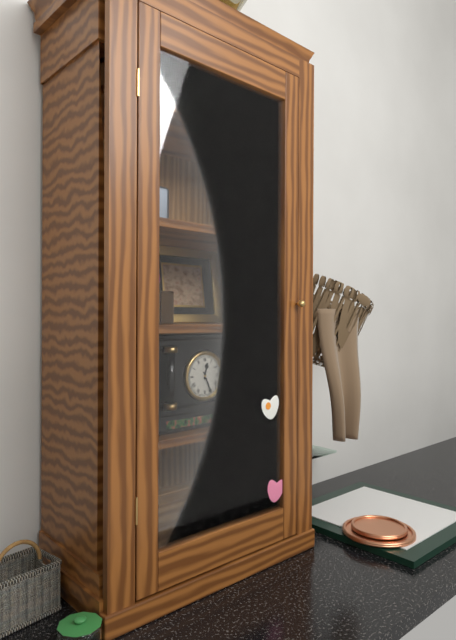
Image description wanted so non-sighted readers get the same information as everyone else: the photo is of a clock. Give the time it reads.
12:26
